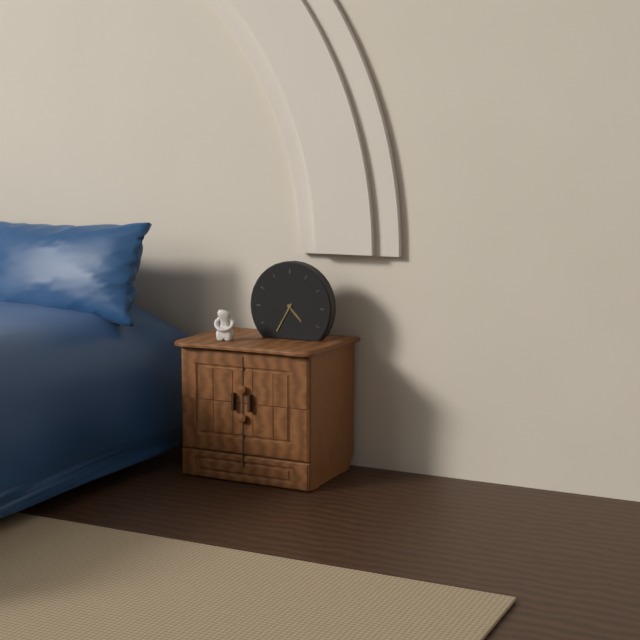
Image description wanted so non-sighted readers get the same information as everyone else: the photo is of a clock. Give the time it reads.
4:35
